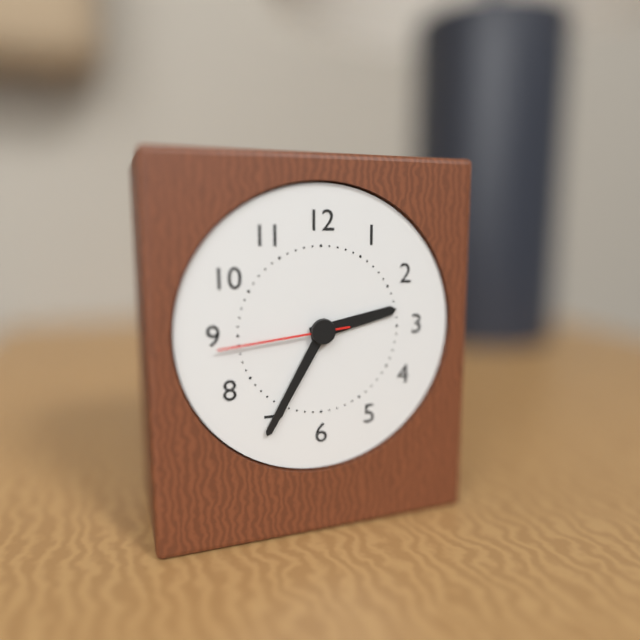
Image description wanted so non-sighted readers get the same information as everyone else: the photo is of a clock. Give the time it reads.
2:35:44
